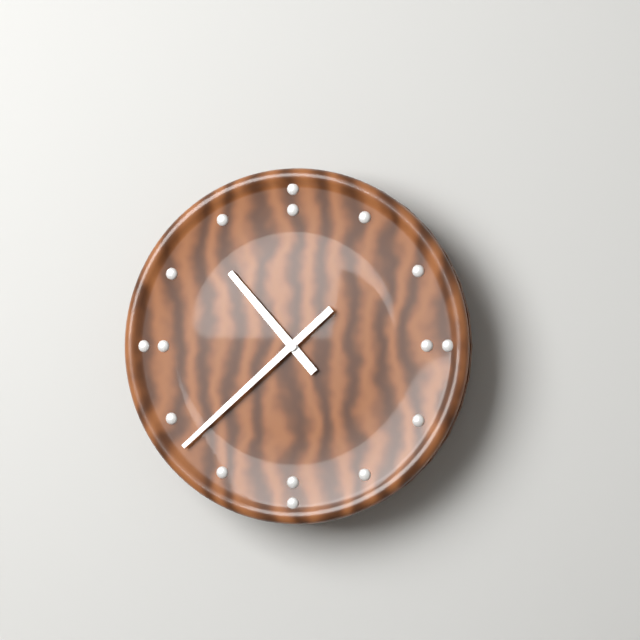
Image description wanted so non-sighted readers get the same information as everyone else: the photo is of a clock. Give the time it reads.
10:38
